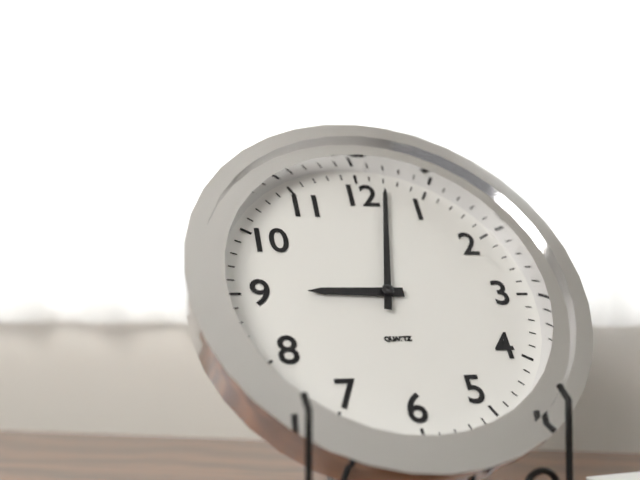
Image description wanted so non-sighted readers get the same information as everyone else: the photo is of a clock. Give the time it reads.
9:02
